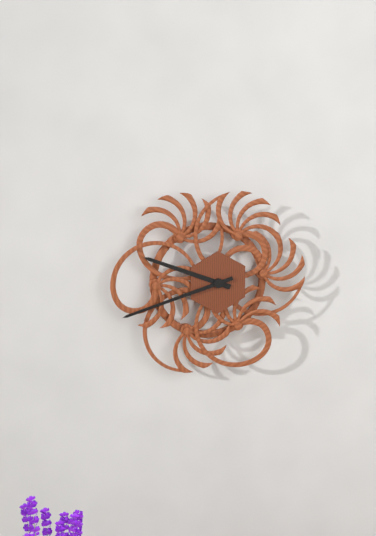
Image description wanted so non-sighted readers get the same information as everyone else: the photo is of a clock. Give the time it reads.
9:42
